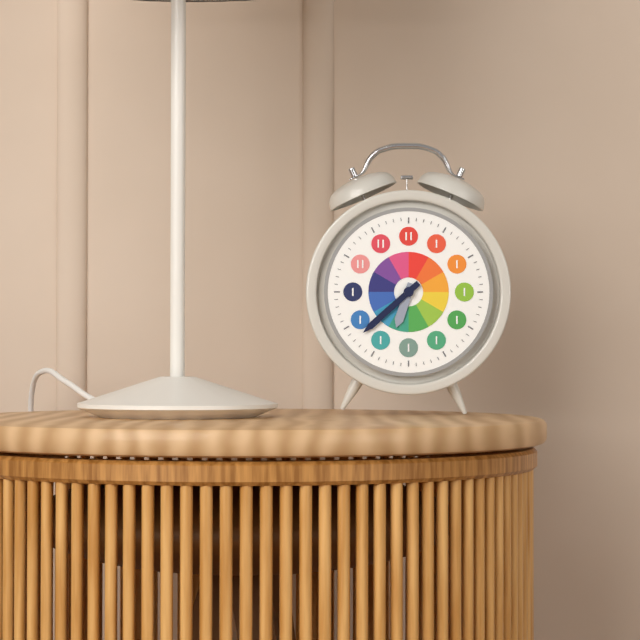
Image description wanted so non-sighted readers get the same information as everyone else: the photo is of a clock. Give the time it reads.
6:38
